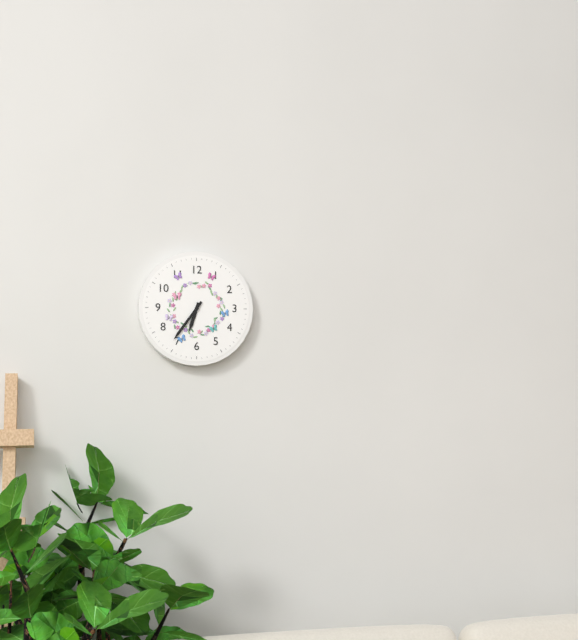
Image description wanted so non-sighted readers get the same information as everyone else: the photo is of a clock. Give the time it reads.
6:36
